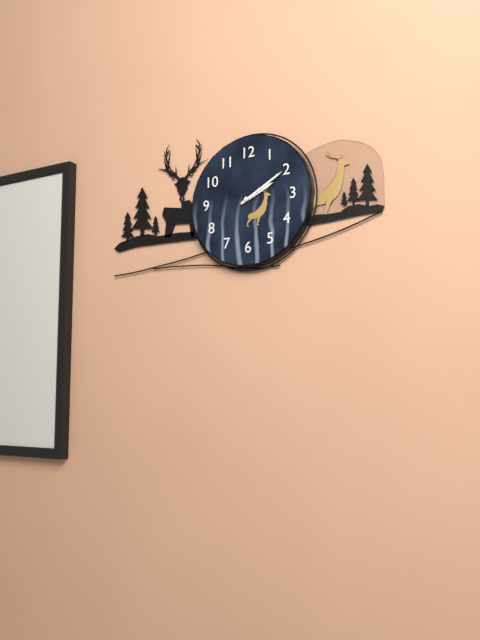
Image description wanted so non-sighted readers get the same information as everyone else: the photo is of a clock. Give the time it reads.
2:10
